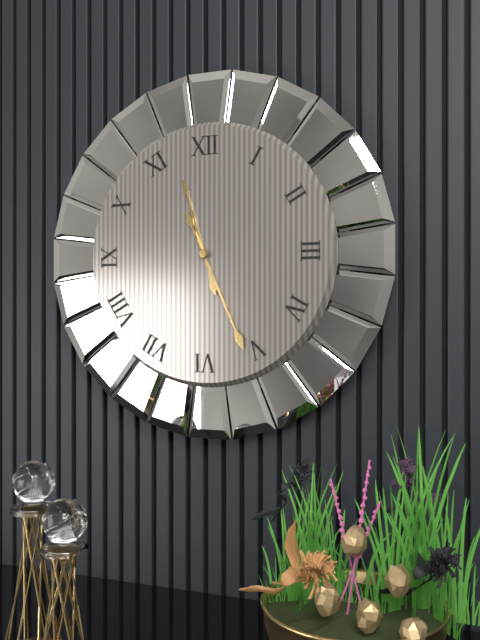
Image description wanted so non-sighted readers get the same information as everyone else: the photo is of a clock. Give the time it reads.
11:26
